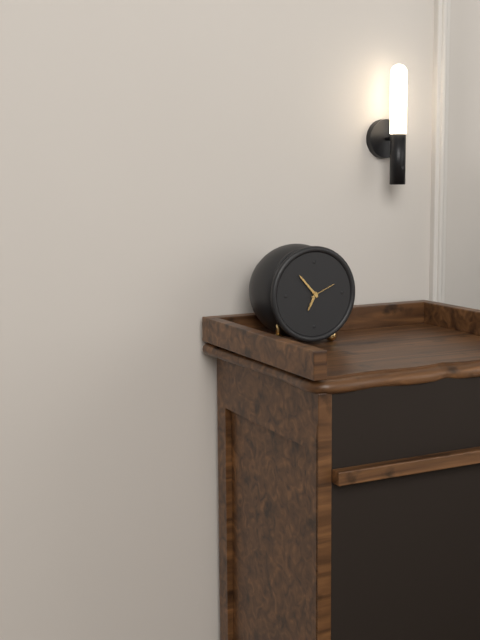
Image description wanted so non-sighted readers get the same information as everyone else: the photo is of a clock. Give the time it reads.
6:53
